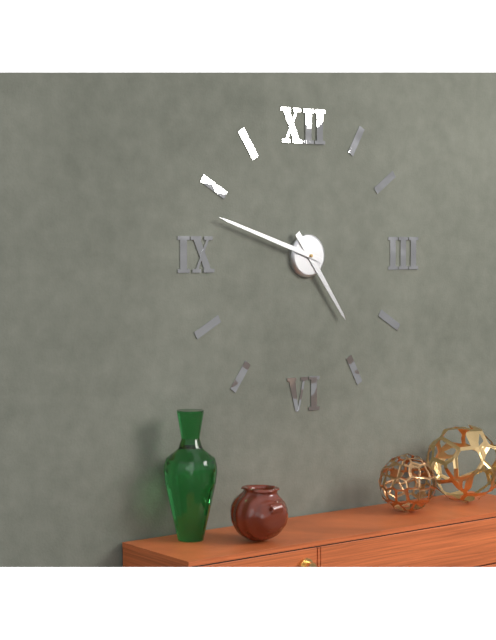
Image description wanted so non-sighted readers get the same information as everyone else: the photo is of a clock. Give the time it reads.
4:48
